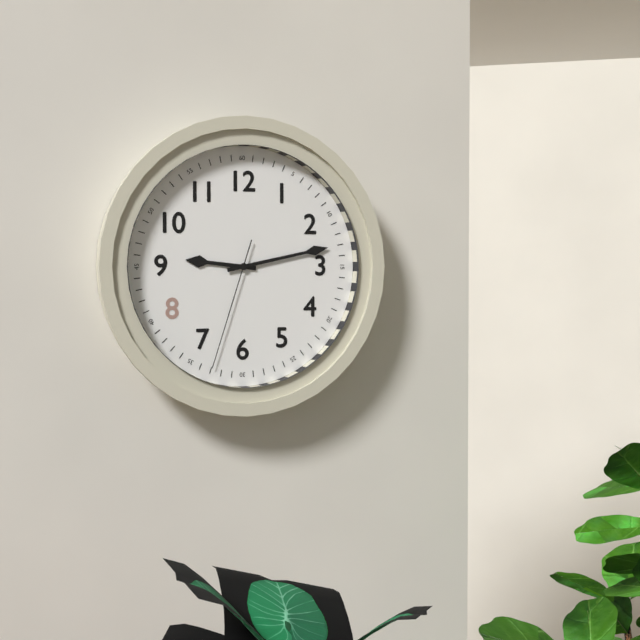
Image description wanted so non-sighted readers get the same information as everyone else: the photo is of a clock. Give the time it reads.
9:13:33
